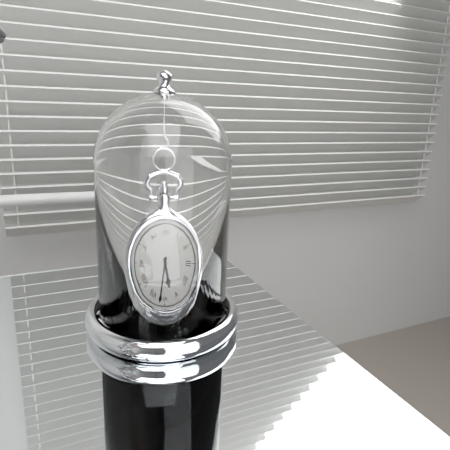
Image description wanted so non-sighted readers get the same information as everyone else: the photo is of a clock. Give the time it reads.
5:32
